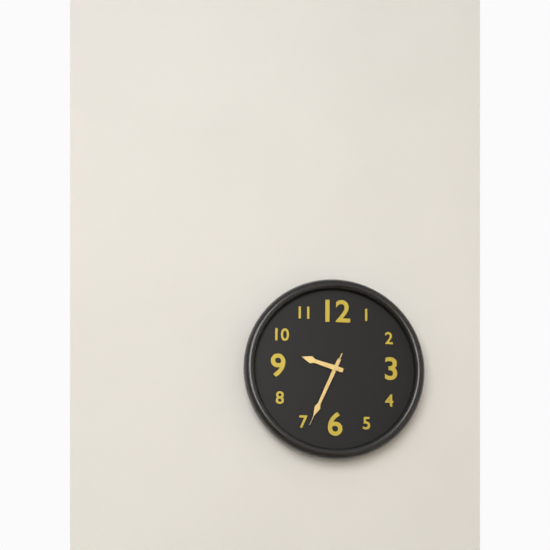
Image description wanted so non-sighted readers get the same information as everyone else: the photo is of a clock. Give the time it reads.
9:34:34
